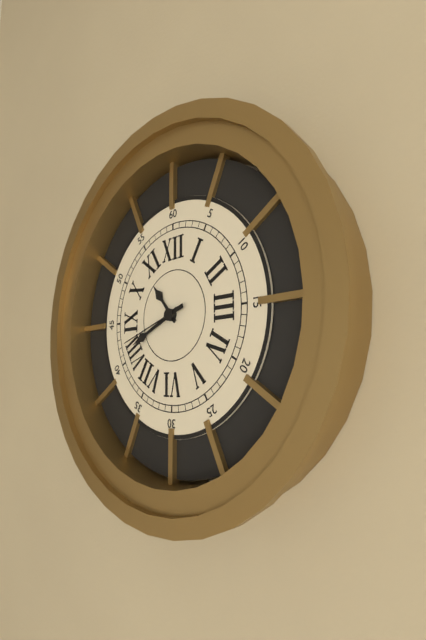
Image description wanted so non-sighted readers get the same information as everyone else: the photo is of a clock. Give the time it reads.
10:41:42
